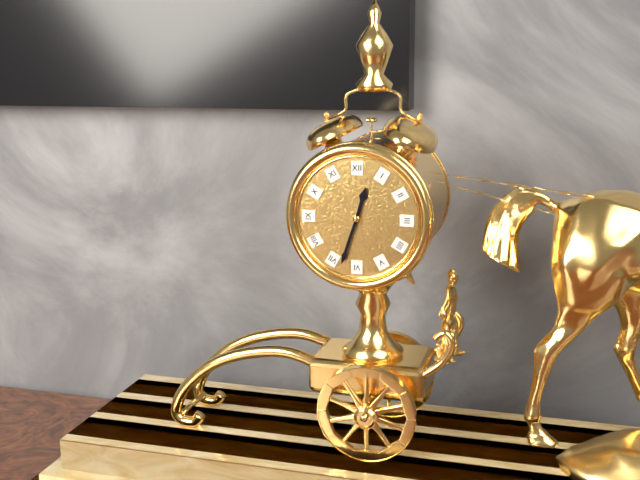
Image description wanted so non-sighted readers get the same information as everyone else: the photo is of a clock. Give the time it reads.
12:33
